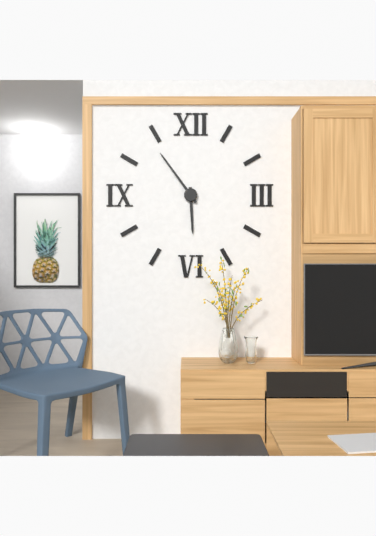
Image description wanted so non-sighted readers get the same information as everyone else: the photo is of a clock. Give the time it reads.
5:54
